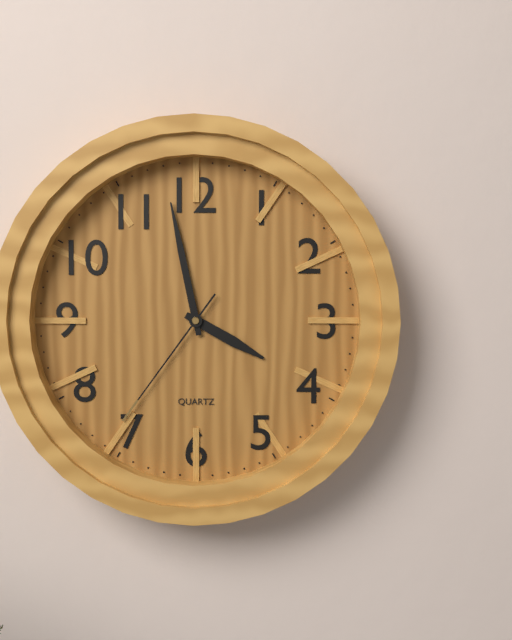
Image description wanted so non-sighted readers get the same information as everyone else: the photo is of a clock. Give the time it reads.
3:58:36
